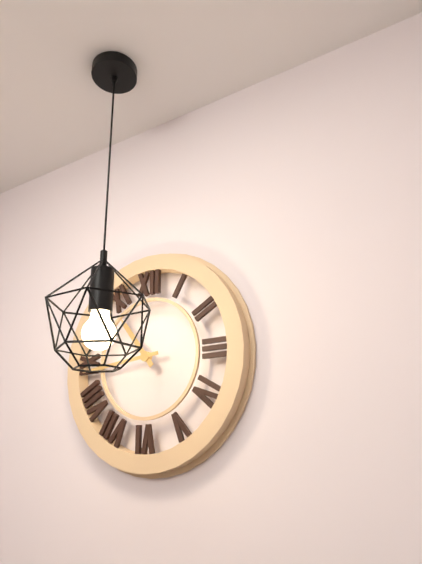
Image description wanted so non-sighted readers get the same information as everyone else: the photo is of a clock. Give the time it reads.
10:44
